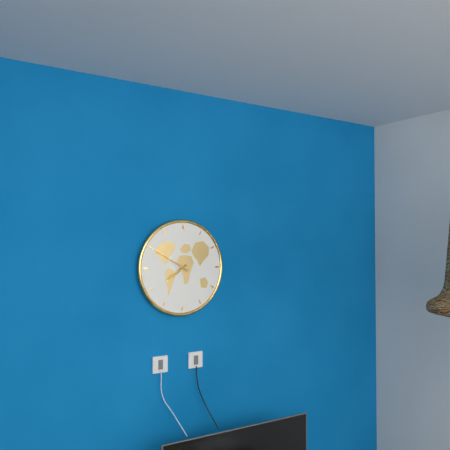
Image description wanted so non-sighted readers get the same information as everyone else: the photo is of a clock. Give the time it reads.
7:50
